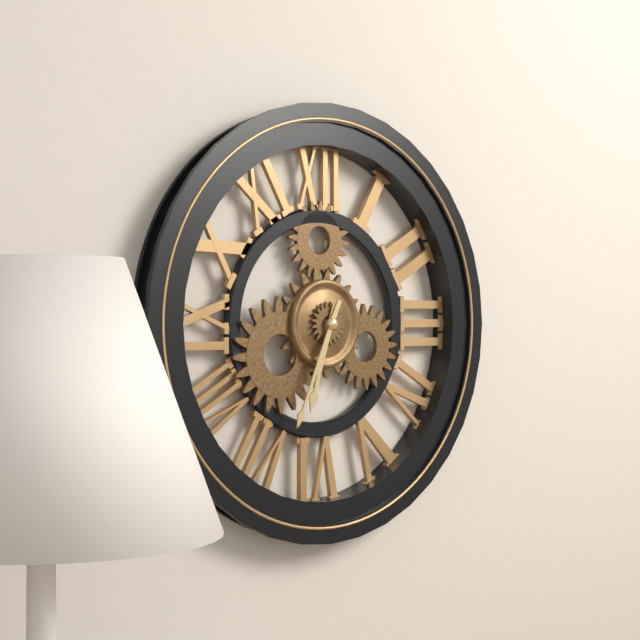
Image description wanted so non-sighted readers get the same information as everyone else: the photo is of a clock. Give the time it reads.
6:34
